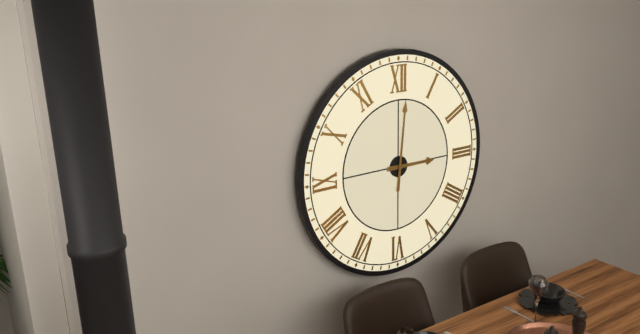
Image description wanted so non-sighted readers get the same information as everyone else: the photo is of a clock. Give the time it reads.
3:01
